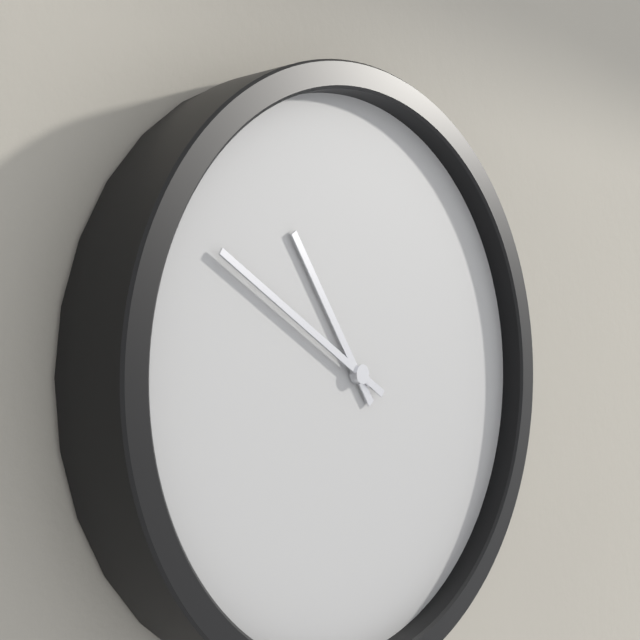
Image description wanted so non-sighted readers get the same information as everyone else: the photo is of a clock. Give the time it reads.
10:50
